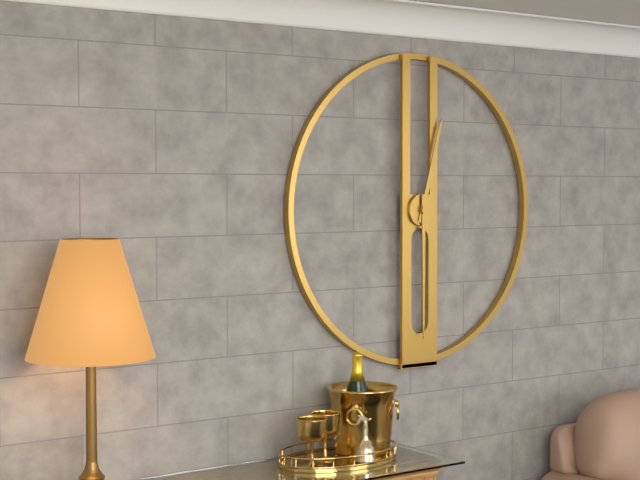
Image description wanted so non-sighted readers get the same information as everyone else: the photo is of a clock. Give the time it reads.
12:30
